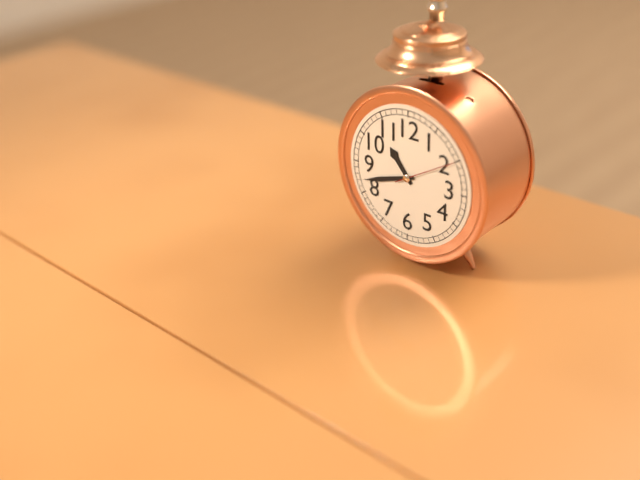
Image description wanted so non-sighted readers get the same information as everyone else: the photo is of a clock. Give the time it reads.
10:42:10
